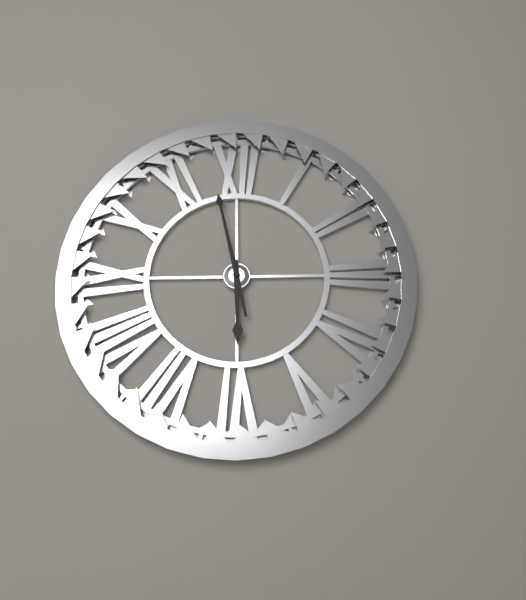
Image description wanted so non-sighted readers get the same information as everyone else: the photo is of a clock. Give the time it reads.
5:58
